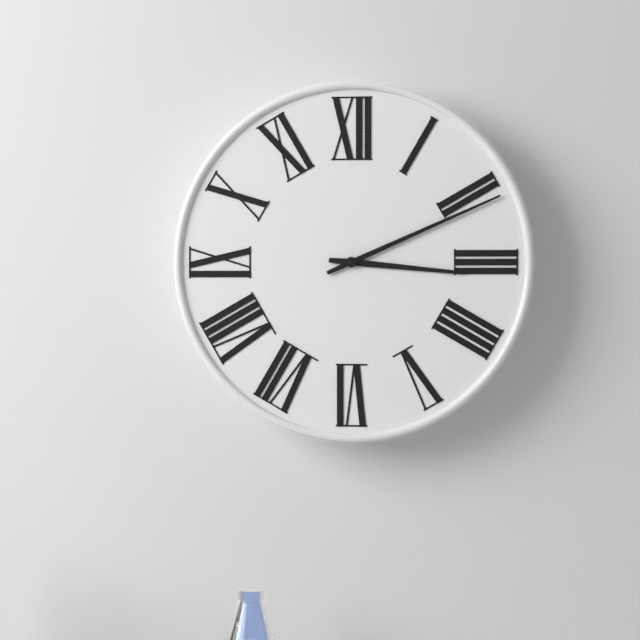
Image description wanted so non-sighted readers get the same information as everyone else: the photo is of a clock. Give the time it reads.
3:11
